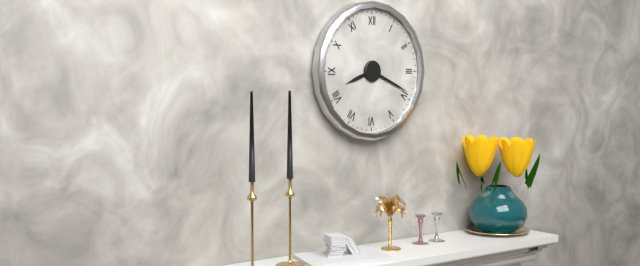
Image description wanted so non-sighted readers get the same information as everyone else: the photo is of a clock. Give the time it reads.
8:19
